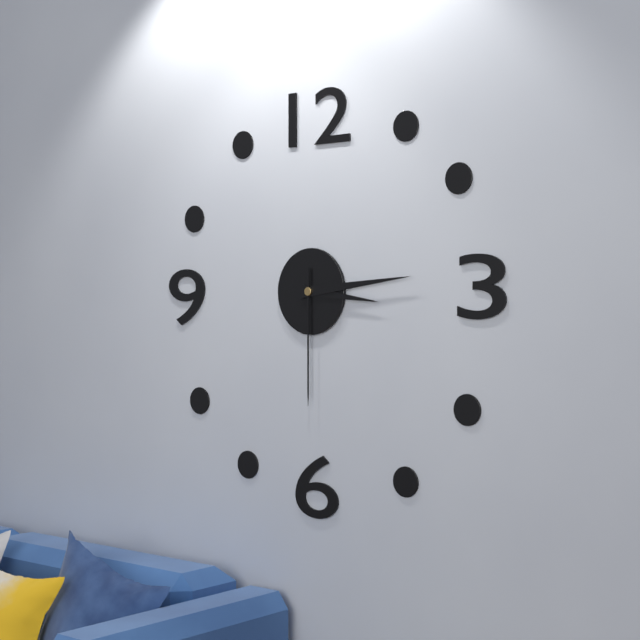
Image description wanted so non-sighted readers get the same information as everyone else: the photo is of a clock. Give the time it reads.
3:14:30
